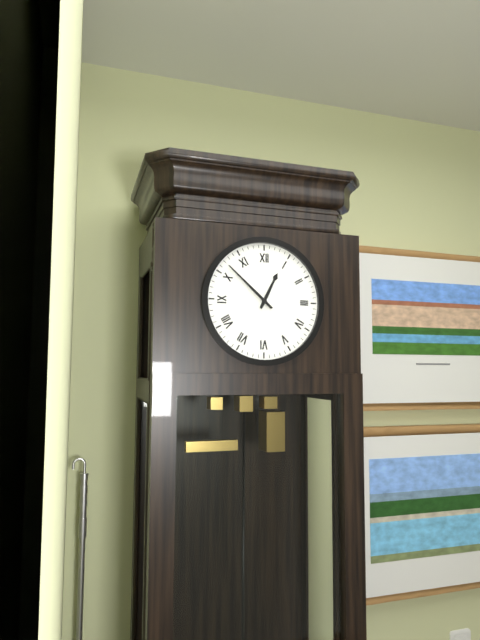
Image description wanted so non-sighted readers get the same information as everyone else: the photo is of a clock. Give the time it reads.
12:52
